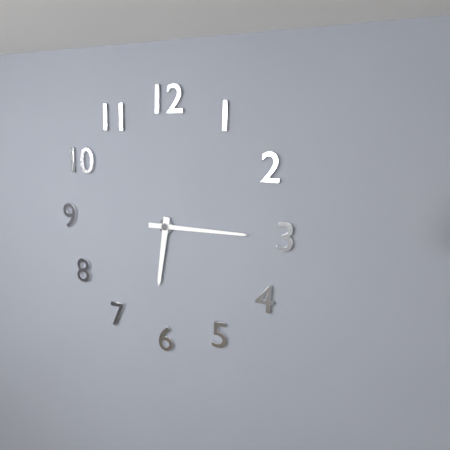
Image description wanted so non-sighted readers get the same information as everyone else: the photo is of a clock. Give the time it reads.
6:15
